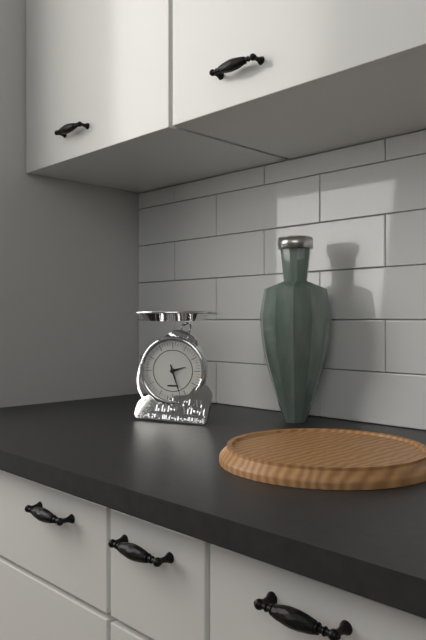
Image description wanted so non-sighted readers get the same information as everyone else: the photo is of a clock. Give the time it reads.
2:27
